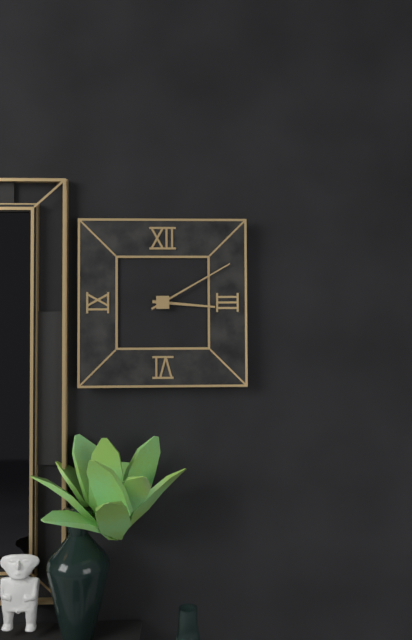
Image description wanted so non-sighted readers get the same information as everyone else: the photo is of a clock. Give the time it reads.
3:10
